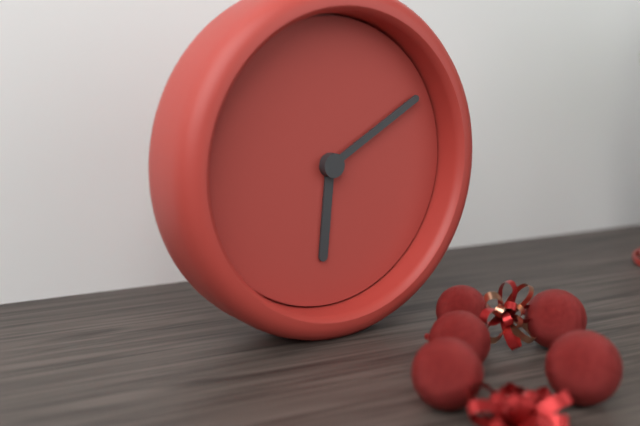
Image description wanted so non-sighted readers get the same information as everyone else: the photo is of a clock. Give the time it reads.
6:10
